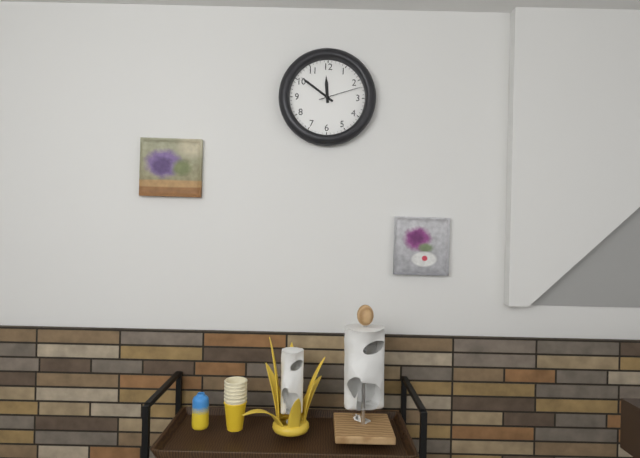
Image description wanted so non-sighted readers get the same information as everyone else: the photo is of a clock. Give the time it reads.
11:51
